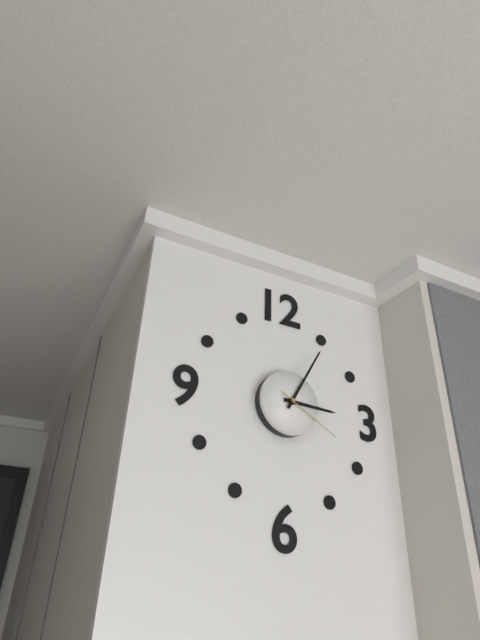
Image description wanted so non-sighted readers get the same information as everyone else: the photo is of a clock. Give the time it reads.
3:05:20
